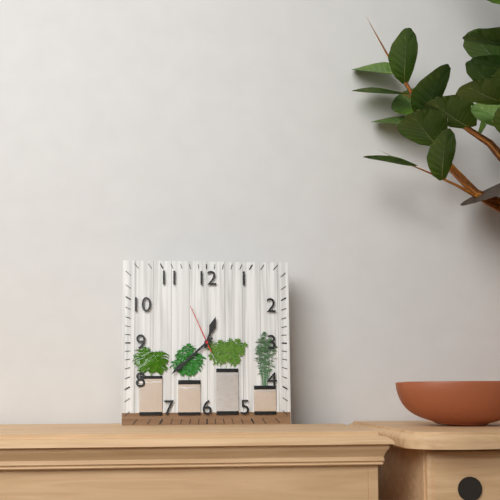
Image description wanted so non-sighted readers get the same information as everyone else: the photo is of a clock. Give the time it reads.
12:38:56
